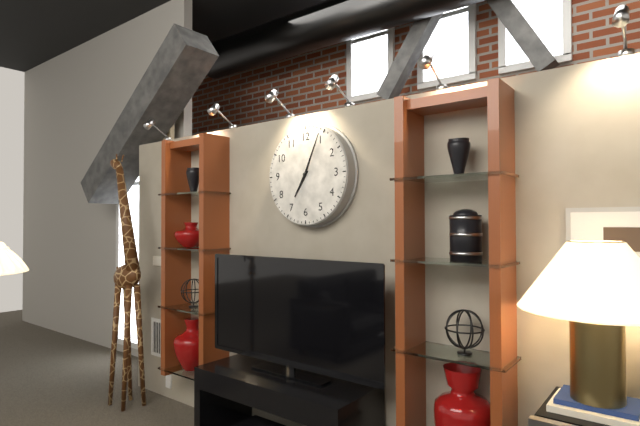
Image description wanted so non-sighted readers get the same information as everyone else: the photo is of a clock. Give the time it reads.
7:04
